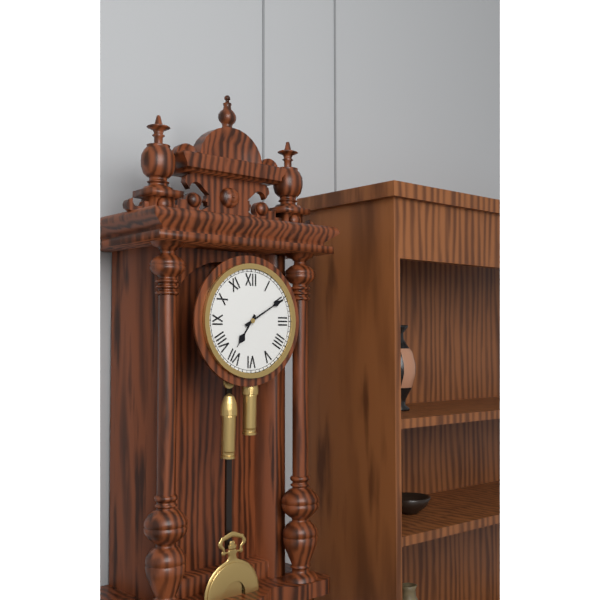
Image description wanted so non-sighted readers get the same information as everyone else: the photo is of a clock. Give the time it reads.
7:10
